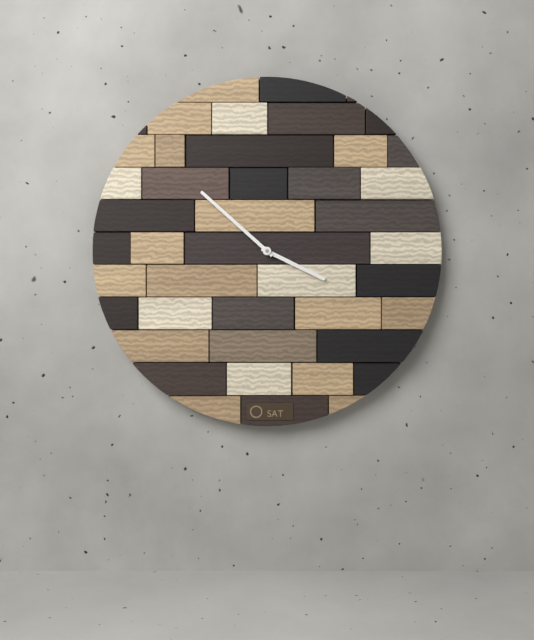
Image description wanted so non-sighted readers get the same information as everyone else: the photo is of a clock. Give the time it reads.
3:52
